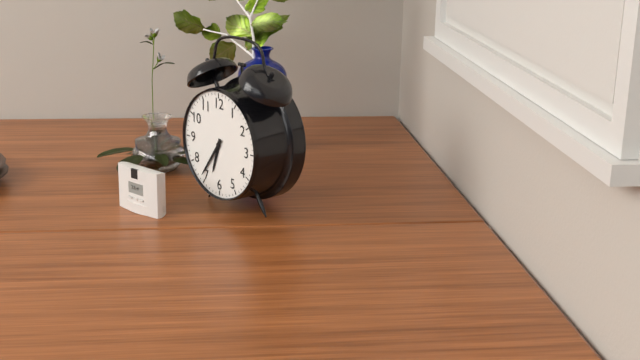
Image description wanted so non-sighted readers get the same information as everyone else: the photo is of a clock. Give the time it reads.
6:36
